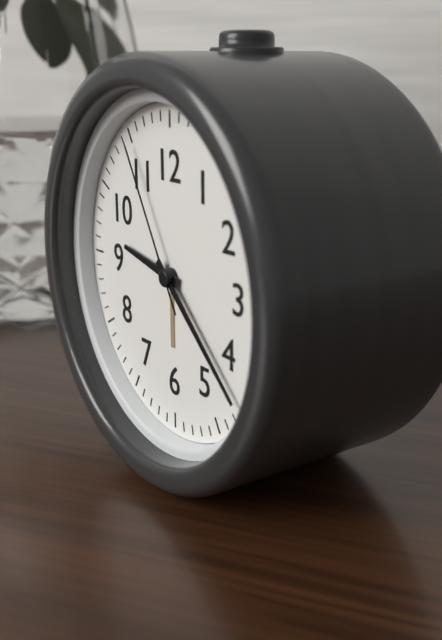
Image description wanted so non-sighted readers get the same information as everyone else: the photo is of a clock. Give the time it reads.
9:22:55
